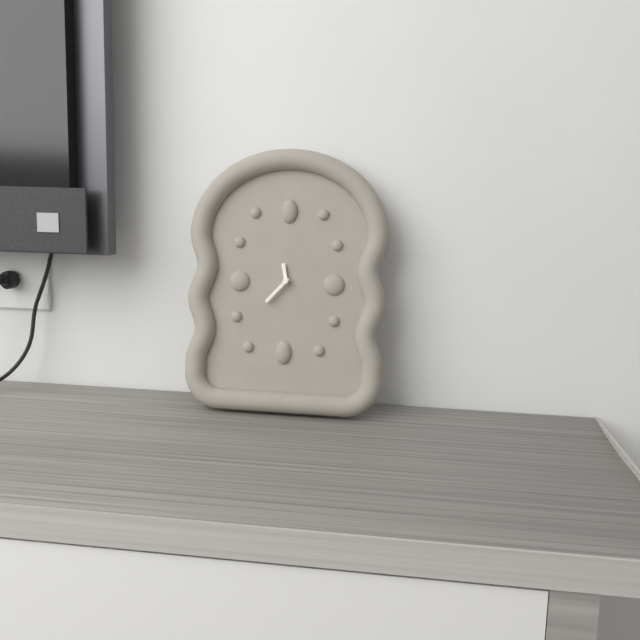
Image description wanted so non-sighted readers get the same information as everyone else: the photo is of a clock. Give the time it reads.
11:37
